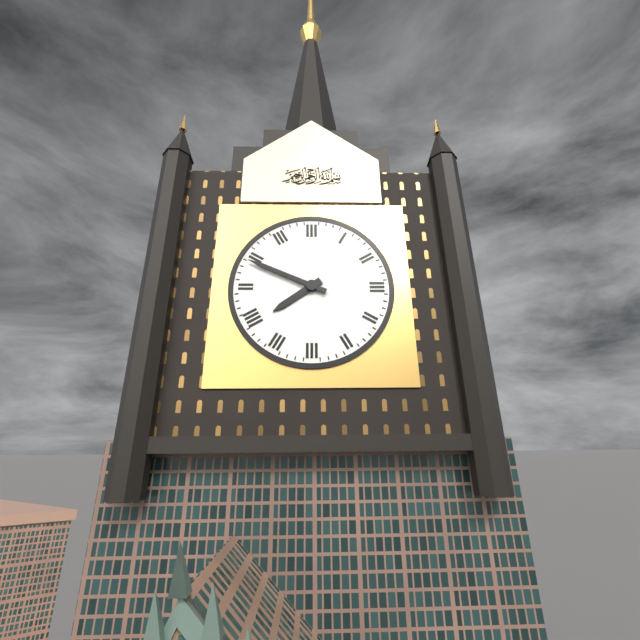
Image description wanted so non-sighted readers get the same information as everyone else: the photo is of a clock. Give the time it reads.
7:49
